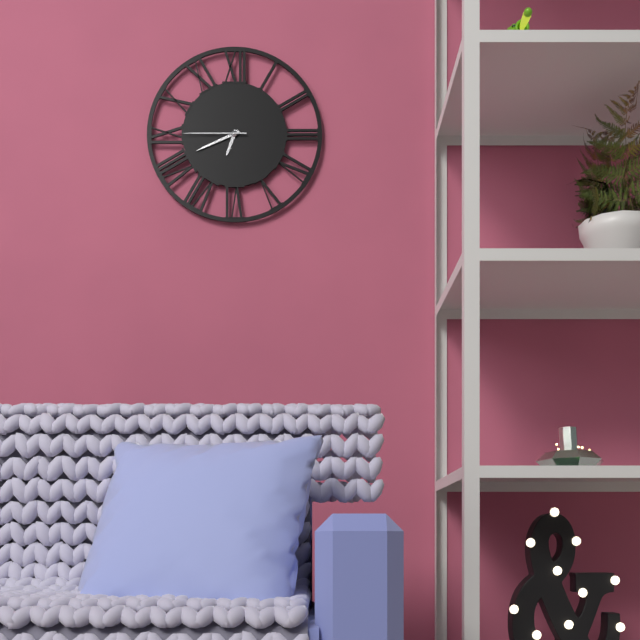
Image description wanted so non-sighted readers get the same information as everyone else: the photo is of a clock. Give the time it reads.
6:41:45
